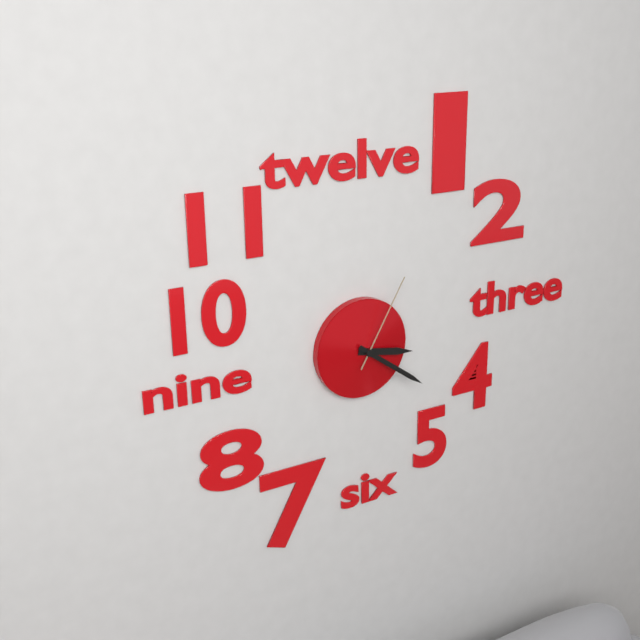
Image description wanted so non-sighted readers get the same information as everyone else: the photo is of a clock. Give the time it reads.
3:21:05
